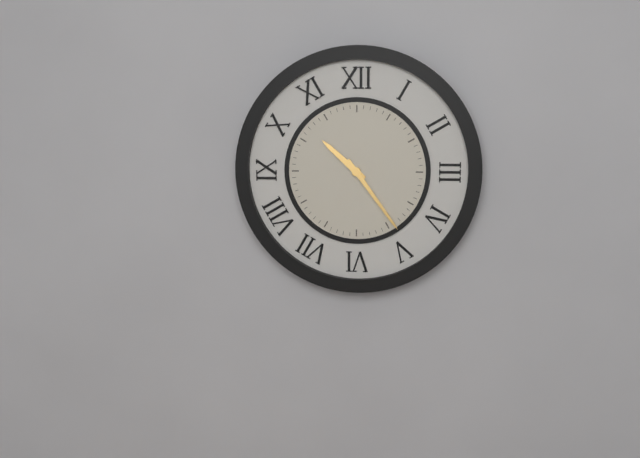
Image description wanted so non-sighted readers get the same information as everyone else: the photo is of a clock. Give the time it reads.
10:24
